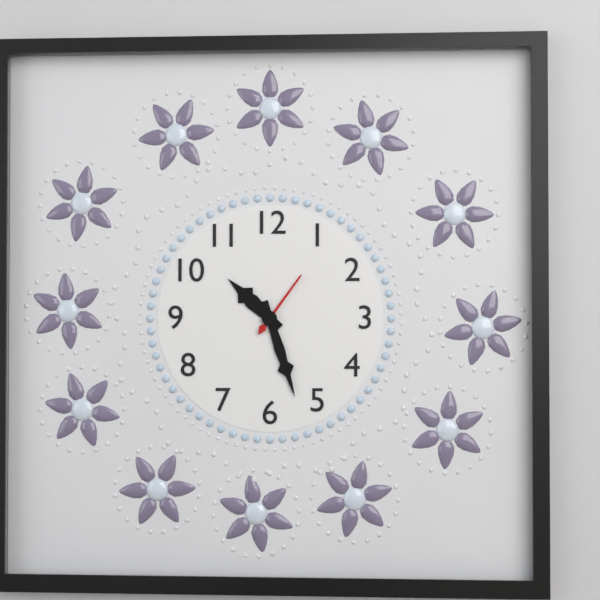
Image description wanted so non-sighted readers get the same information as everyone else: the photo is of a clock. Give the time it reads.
10:27:06
